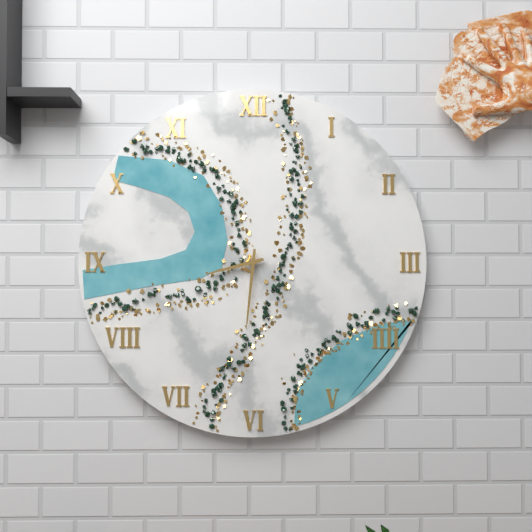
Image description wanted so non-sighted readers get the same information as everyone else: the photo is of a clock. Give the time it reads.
8:31
